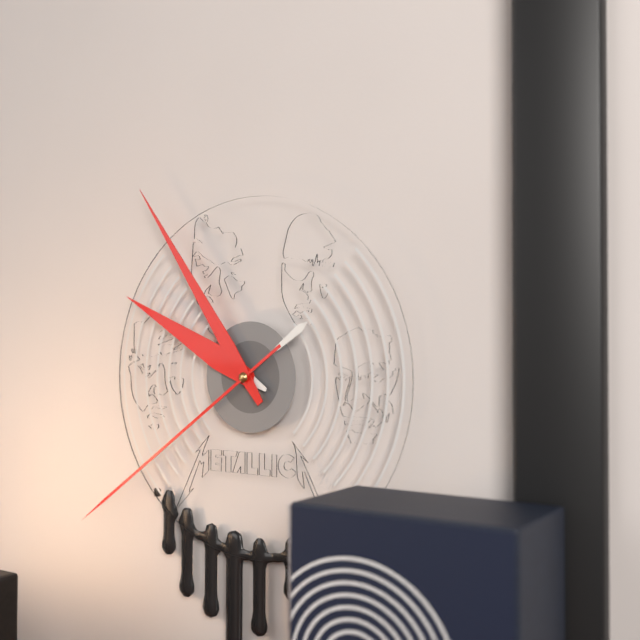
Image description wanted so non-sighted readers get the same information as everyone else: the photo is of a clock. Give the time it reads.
9:54:39
